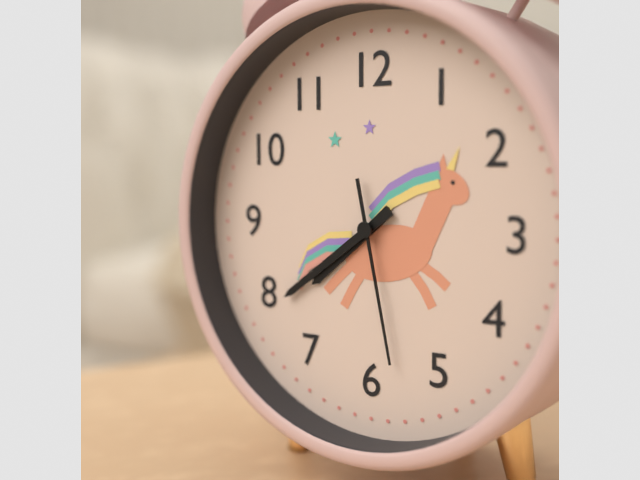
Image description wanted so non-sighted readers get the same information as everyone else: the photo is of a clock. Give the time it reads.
7:39:28
